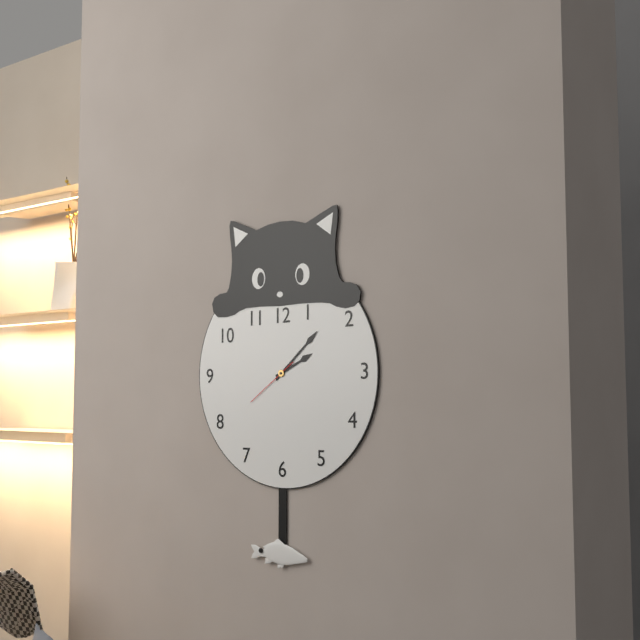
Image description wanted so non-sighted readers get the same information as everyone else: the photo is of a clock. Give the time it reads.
2:08:39
